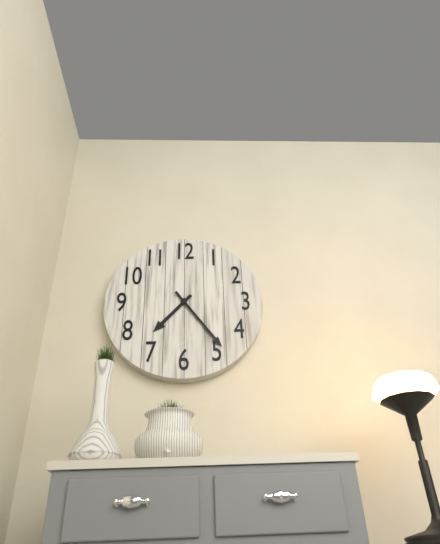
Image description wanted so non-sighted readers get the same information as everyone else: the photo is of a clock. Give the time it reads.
7:24
